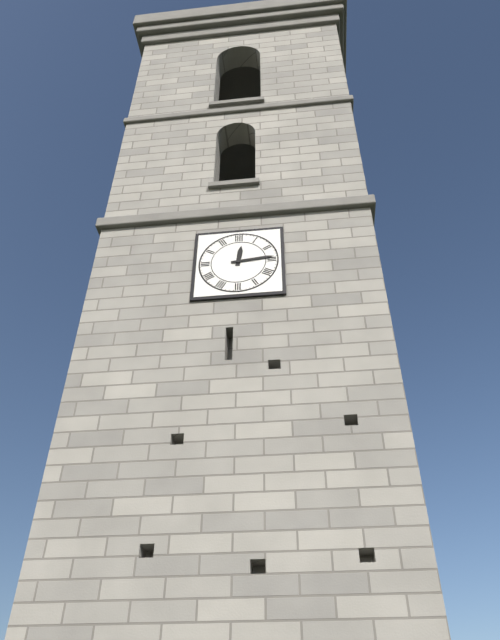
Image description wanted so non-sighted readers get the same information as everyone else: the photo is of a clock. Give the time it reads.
12:14
